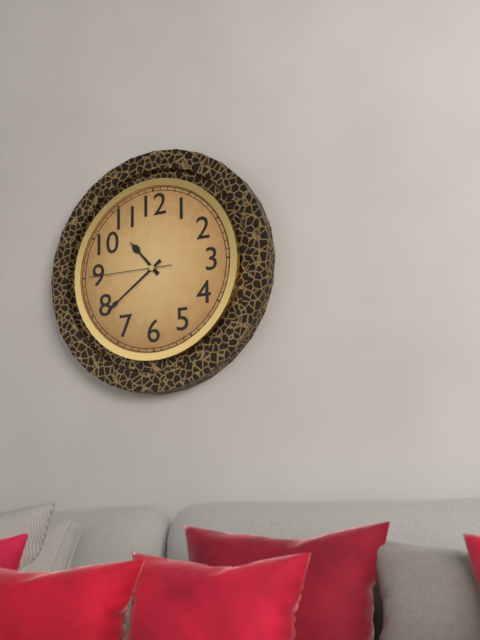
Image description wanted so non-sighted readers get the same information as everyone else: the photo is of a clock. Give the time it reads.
10:39:45
